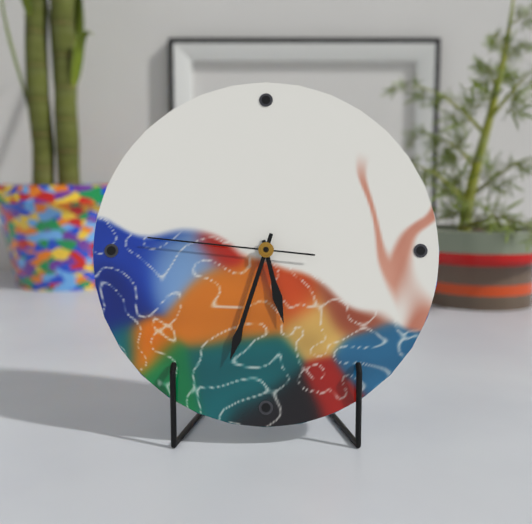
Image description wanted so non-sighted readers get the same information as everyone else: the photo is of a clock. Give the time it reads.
5:33:46
